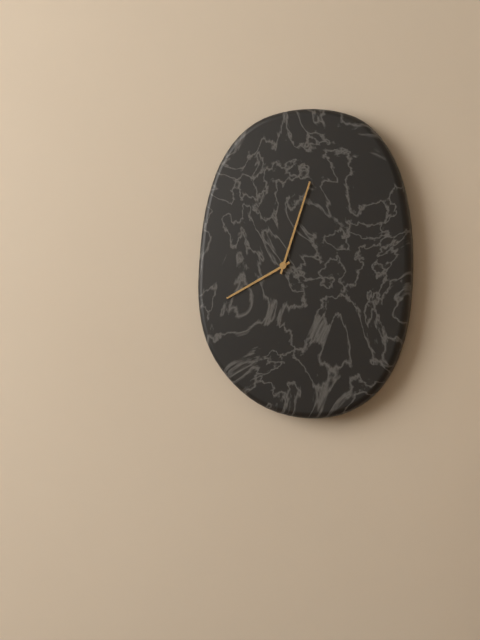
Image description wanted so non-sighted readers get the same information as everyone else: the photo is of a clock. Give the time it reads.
8:03
